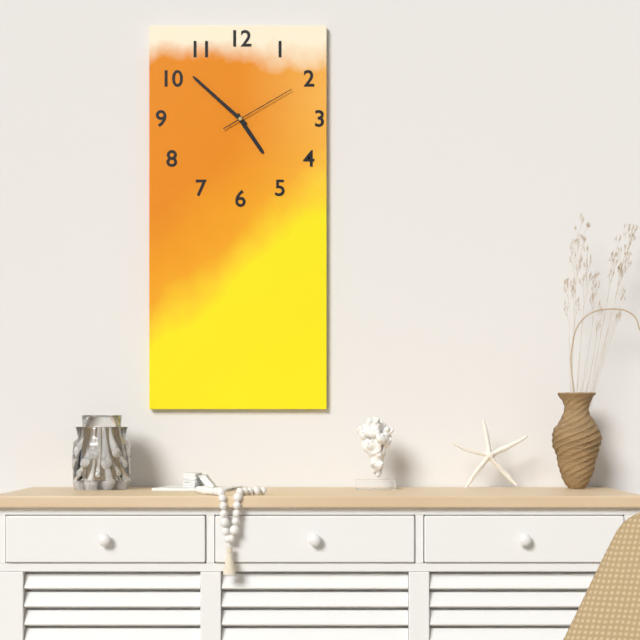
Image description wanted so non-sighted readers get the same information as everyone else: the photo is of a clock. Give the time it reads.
4:52:10
